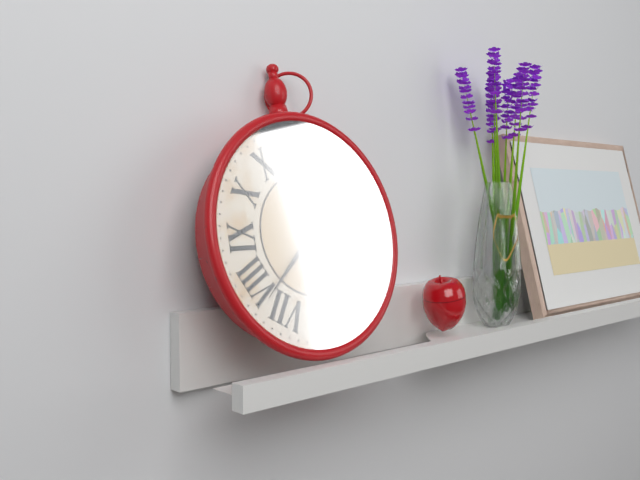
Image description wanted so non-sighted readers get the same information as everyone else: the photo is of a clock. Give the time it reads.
2:38
